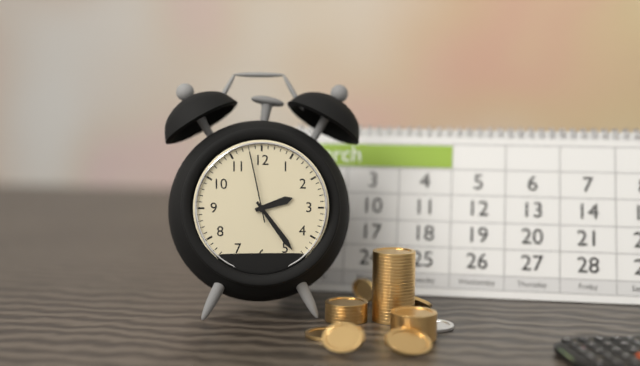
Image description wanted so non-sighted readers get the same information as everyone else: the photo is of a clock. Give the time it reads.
2:24:58
